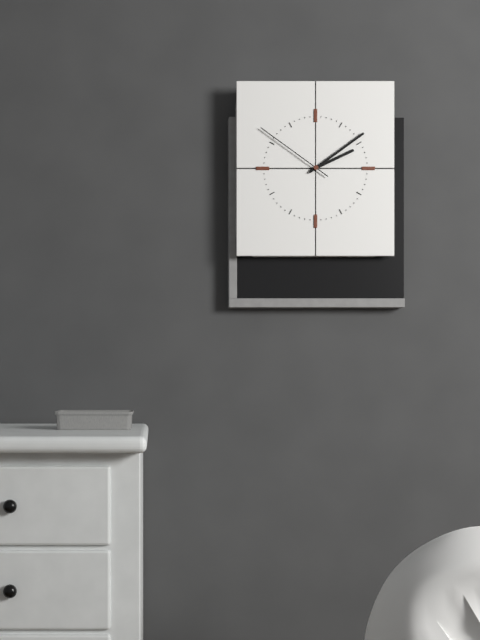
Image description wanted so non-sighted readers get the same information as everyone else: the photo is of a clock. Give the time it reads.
2:09:51
